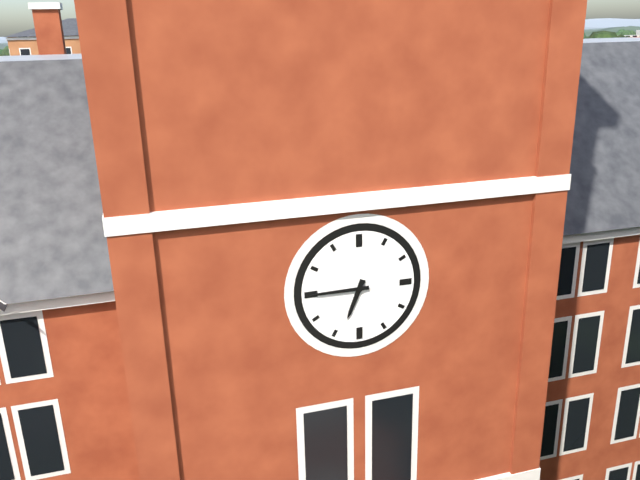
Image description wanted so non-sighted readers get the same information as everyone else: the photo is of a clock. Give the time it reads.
6:45
